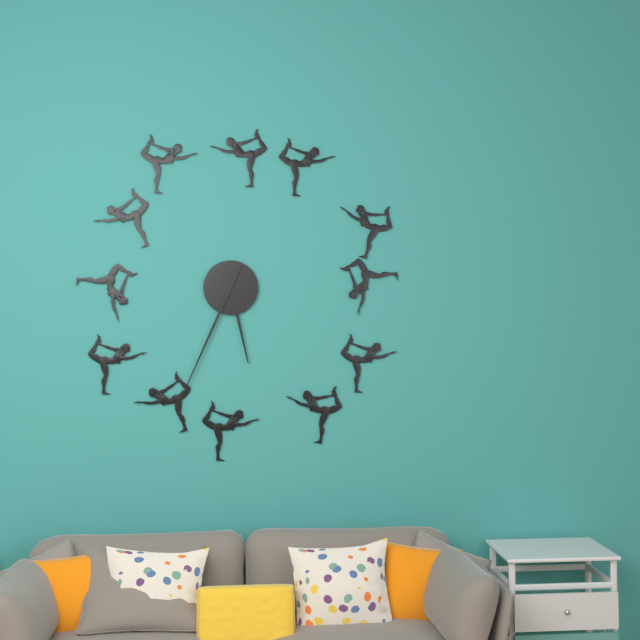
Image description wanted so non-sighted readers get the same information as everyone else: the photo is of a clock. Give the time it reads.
5:34
